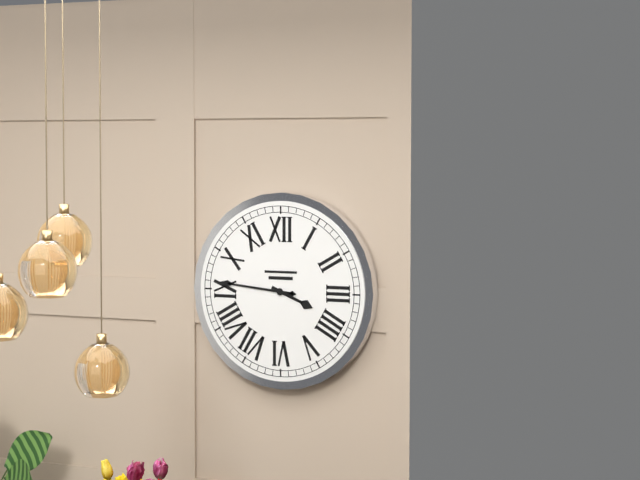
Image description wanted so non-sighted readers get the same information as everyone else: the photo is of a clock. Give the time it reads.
3:46
